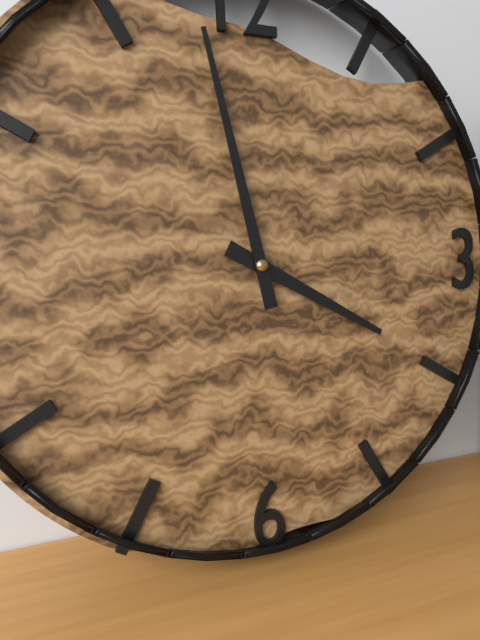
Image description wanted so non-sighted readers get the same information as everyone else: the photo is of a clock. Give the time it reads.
3:58
